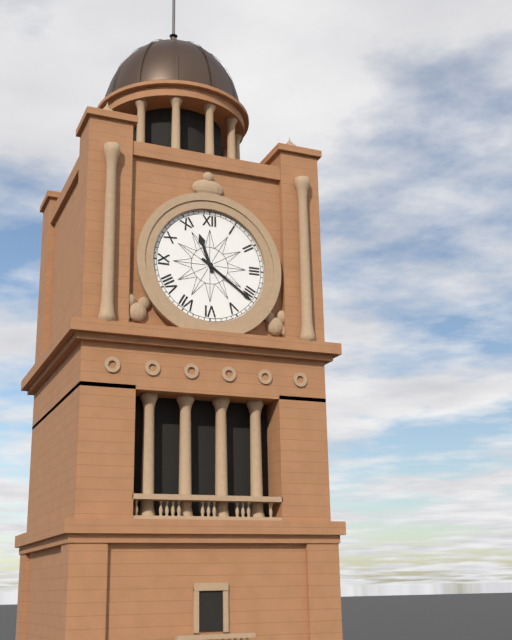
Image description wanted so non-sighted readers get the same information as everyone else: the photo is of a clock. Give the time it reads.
11:21
